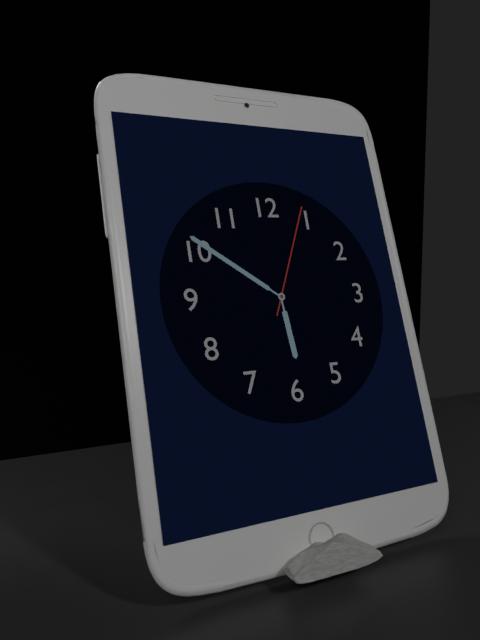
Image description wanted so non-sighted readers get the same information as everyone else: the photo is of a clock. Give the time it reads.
5:51:04
